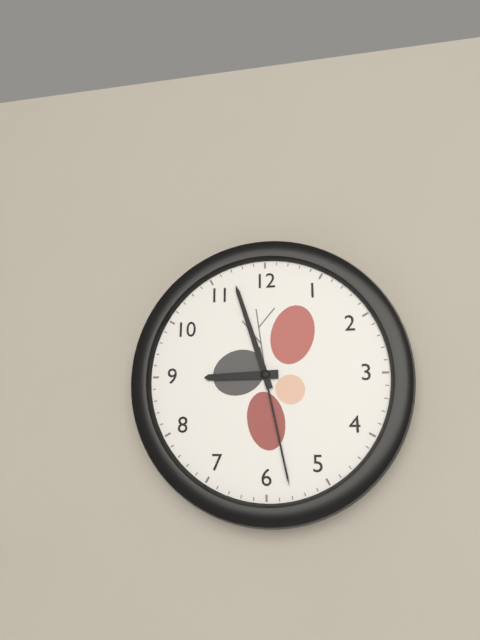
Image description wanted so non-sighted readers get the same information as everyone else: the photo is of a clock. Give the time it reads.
8:57:28
